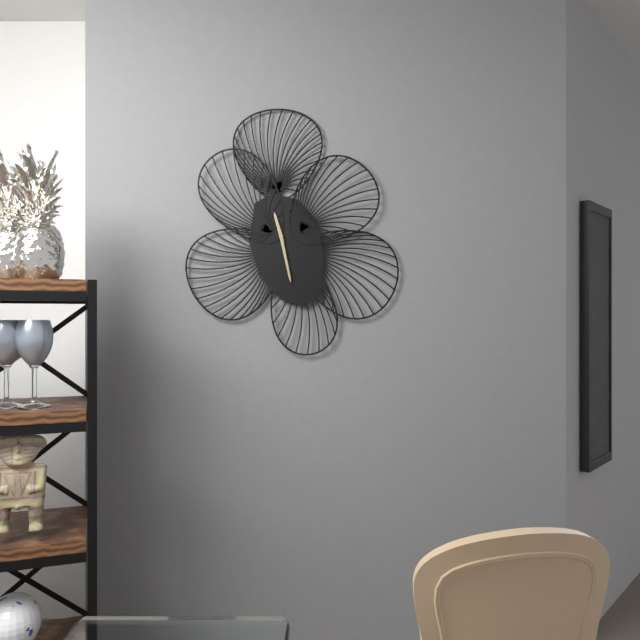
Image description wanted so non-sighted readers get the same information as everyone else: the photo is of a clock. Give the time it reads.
11:28
